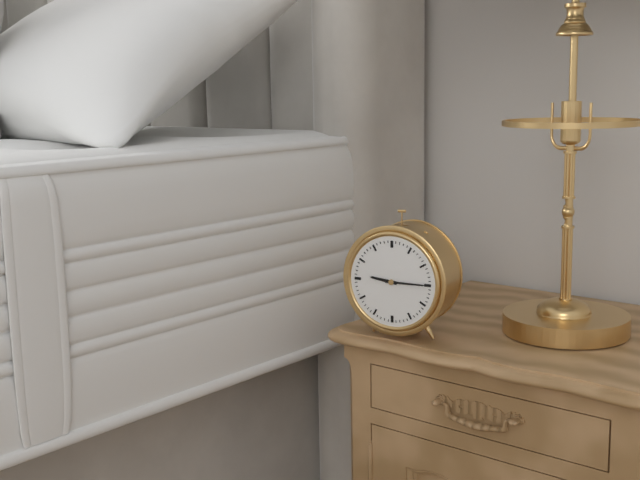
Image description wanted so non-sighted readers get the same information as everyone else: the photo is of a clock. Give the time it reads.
9:15
